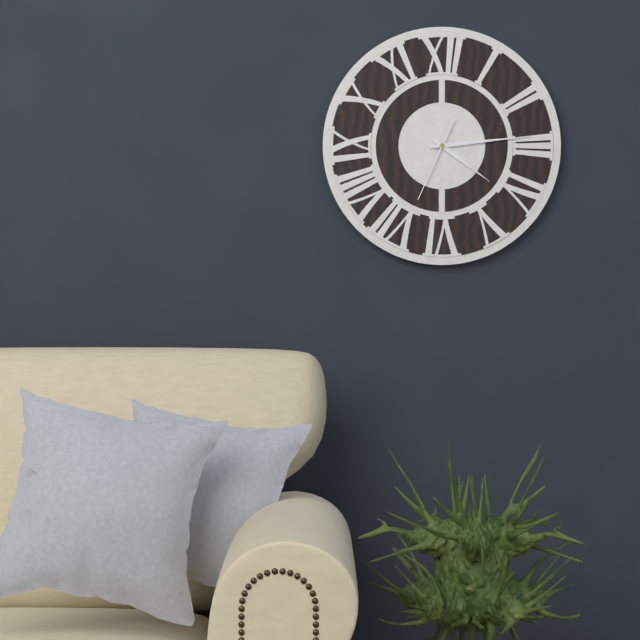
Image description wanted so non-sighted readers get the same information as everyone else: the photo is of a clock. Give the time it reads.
4:14:34
